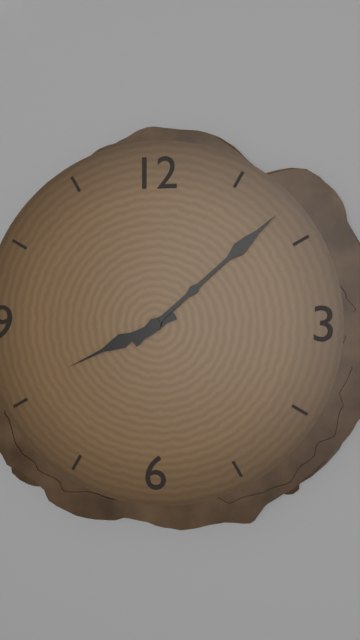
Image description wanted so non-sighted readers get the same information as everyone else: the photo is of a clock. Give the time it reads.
8:08
